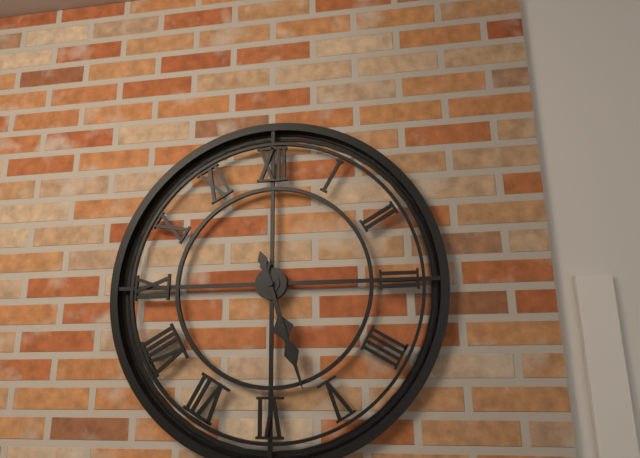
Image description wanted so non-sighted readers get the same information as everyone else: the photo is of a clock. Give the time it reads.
5:27
